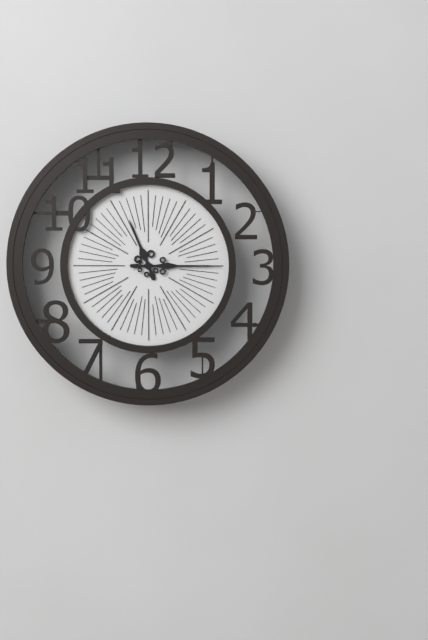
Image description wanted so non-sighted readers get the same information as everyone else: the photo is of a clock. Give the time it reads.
11:15
